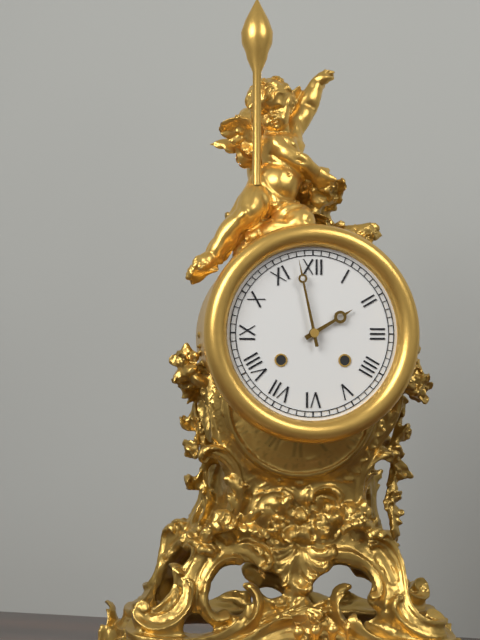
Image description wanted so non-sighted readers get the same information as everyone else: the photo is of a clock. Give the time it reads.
1:58
